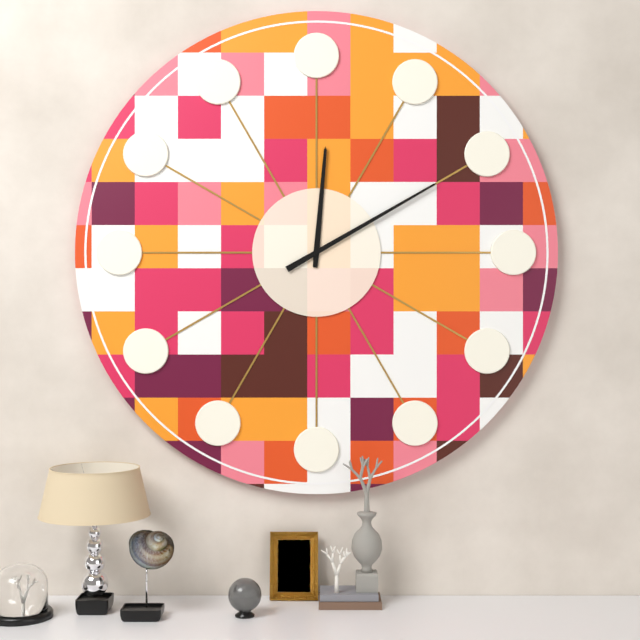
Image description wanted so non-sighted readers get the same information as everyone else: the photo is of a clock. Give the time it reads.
12:10
